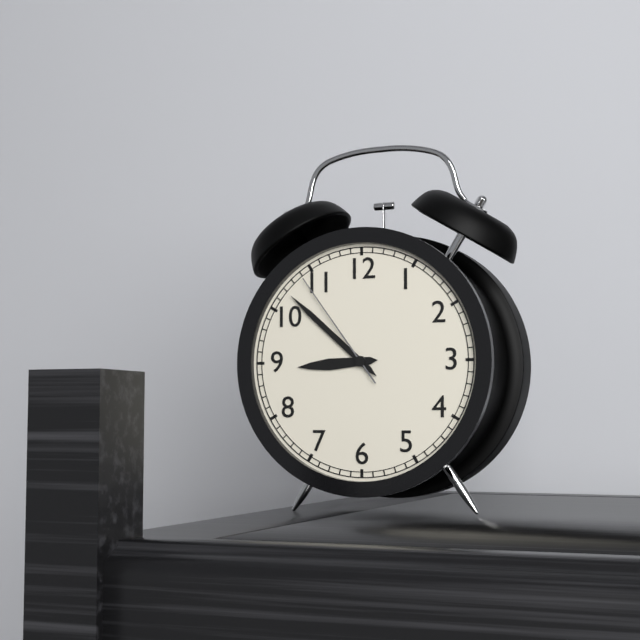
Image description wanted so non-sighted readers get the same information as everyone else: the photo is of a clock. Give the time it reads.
8:52:54
